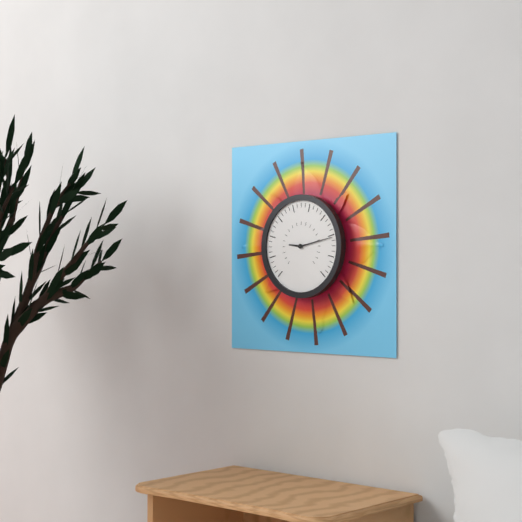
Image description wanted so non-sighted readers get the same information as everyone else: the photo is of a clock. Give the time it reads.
9:13
